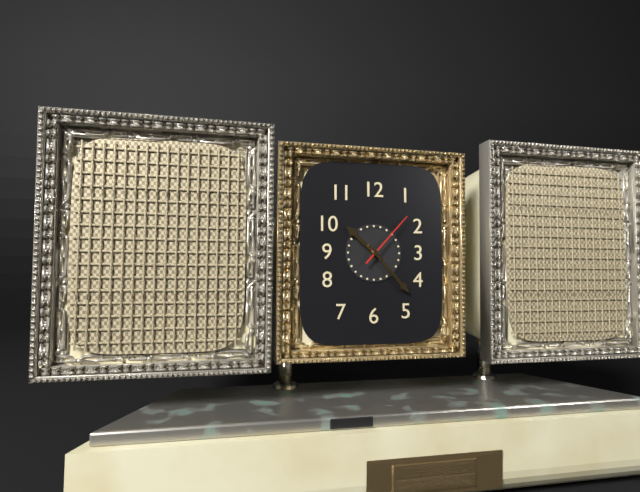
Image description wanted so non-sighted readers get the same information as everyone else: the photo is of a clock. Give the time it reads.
10:23:07
